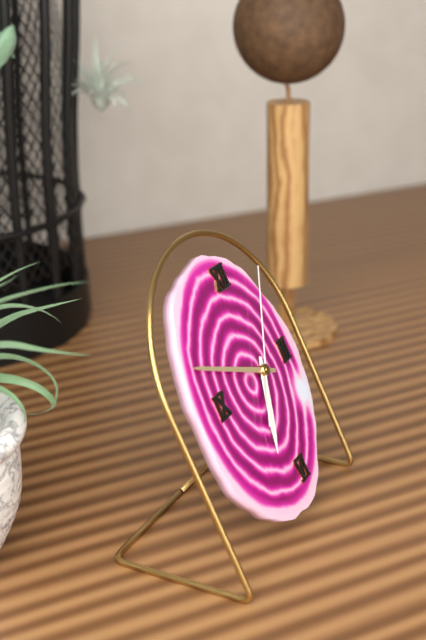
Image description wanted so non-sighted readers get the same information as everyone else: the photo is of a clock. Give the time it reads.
6:49:06
